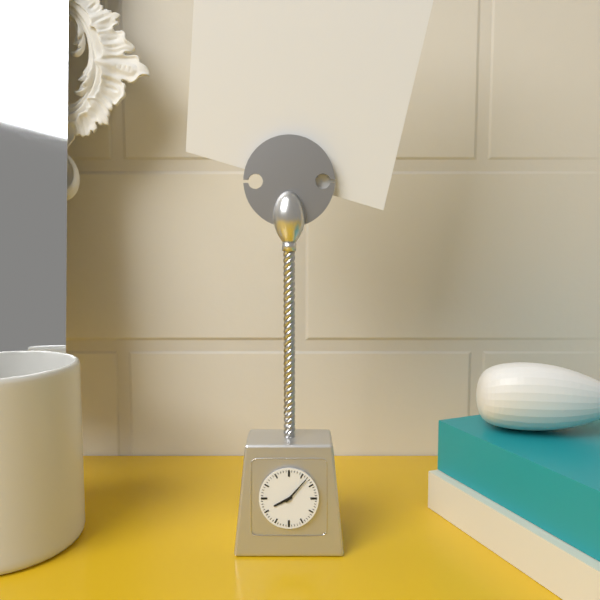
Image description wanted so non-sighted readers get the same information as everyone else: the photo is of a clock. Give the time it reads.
8:07
